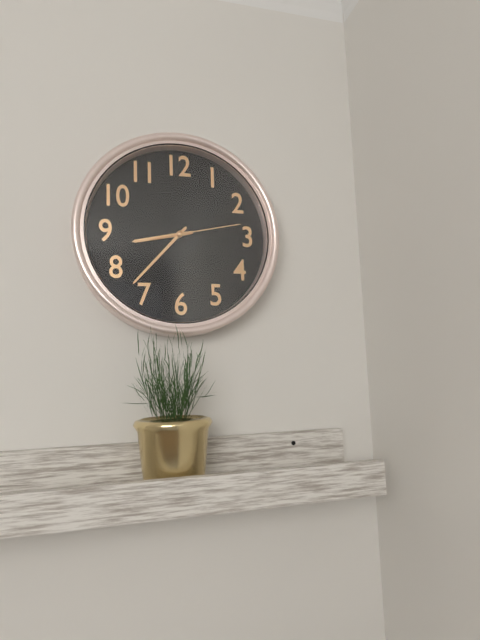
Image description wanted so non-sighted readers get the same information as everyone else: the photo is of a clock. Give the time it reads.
8:37:13
